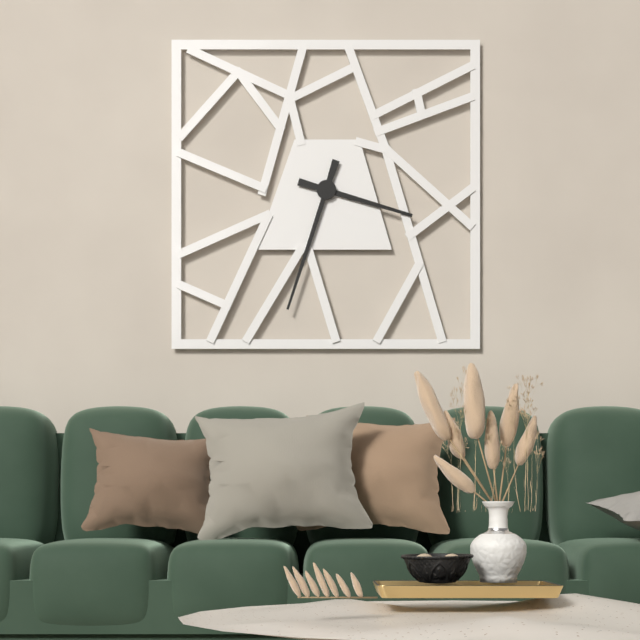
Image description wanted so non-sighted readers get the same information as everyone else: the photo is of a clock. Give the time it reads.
3:33
